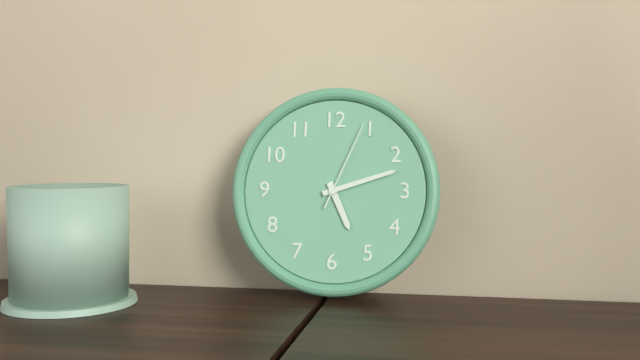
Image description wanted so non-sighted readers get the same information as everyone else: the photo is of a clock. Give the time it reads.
5:12:04
